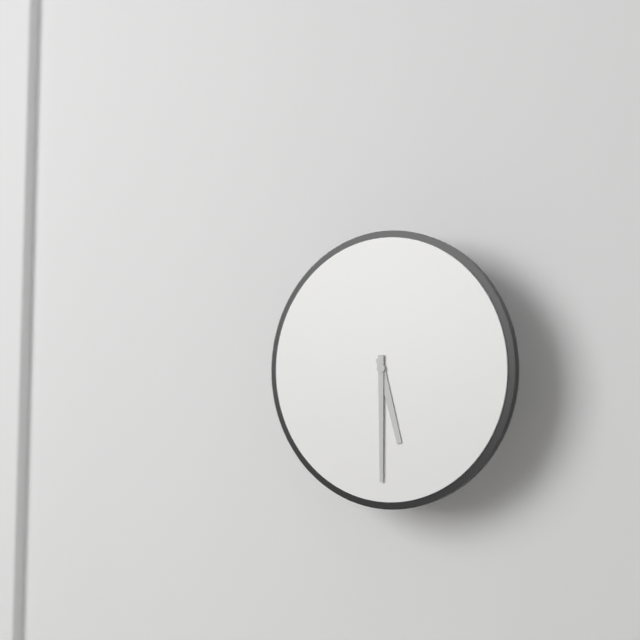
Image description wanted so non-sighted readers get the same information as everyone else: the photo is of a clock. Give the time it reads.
5:30
